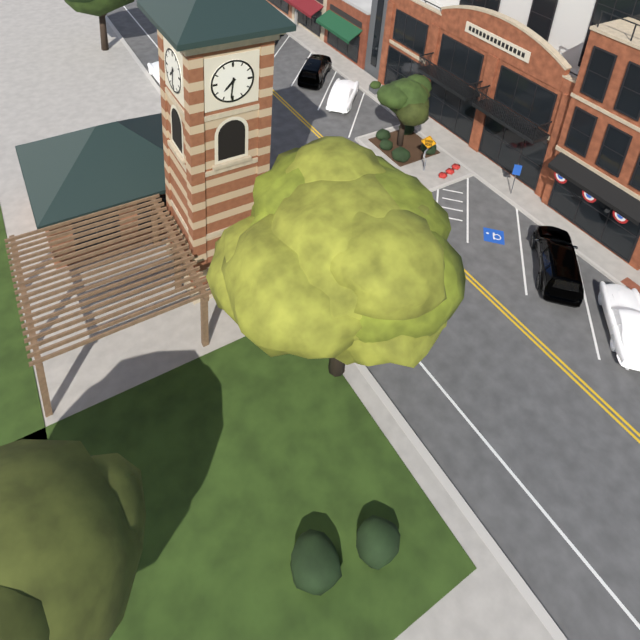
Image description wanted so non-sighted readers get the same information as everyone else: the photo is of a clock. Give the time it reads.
7:31
